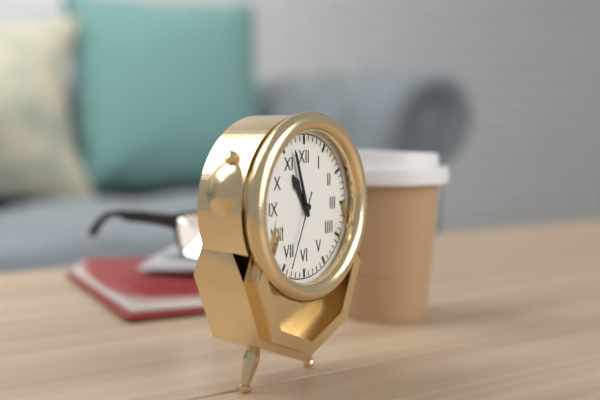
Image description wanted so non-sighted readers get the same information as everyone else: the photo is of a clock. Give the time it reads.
10:57:34
